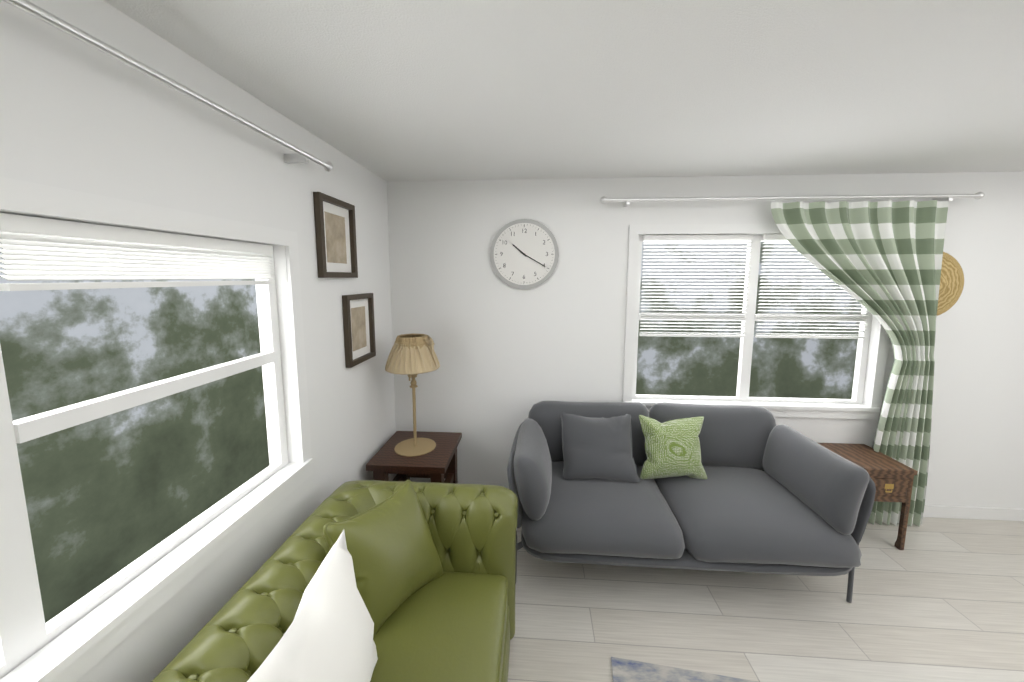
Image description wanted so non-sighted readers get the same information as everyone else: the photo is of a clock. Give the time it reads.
10:20
